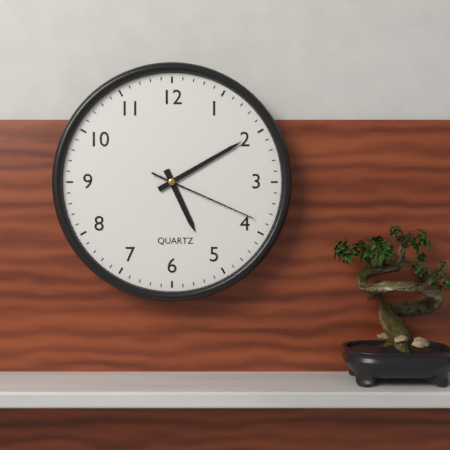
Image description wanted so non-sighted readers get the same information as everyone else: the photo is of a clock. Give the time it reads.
5:10:19
